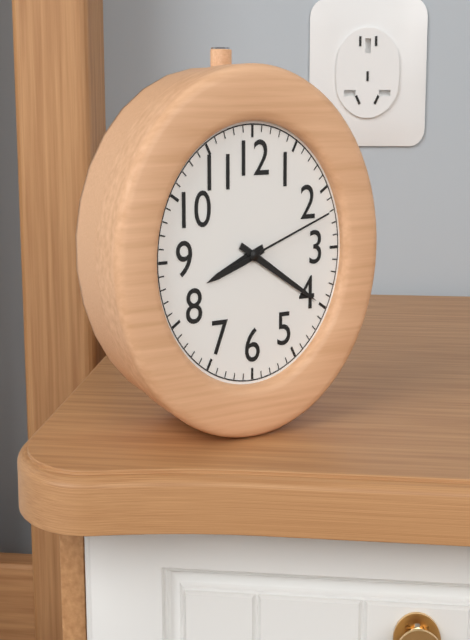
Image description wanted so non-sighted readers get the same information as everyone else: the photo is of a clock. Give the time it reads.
8:20:12
